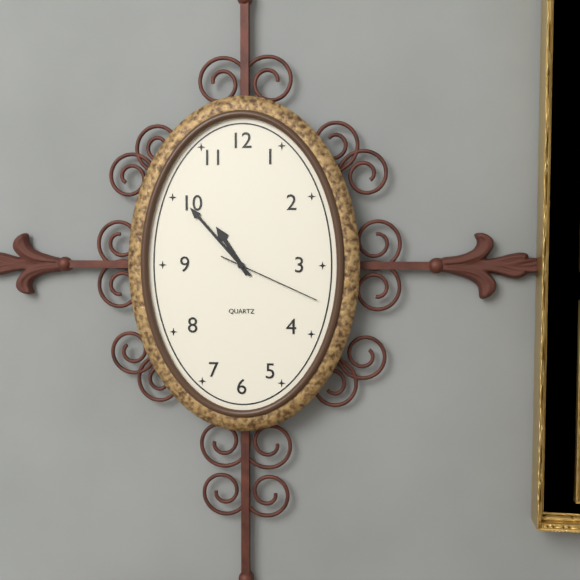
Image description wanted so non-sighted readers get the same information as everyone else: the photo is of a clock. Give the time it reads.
10:53:19
